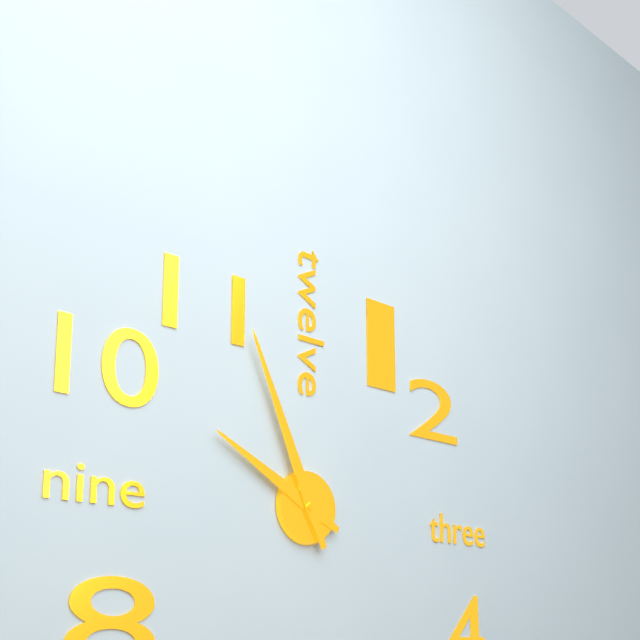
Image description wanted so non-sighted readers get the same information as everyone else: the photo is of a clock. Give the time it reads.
9:56
